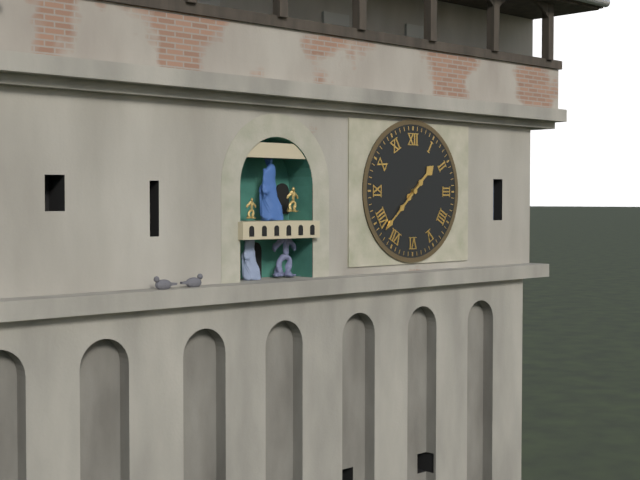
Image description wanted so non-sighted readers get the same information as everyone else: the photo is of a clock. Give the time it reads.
1:38
